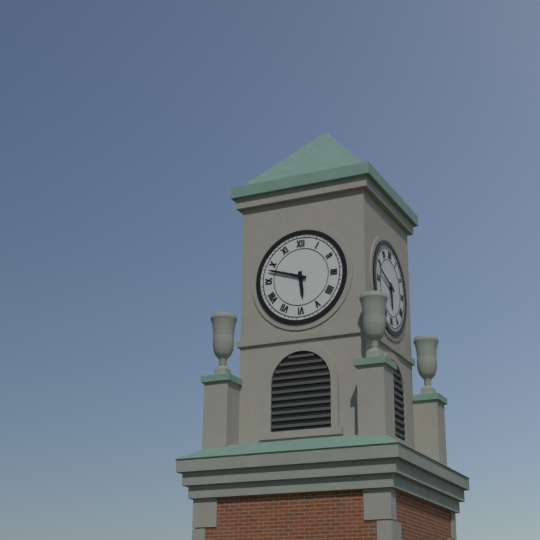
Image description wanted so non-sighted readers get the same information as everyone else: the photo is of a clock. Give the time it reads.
5:48
